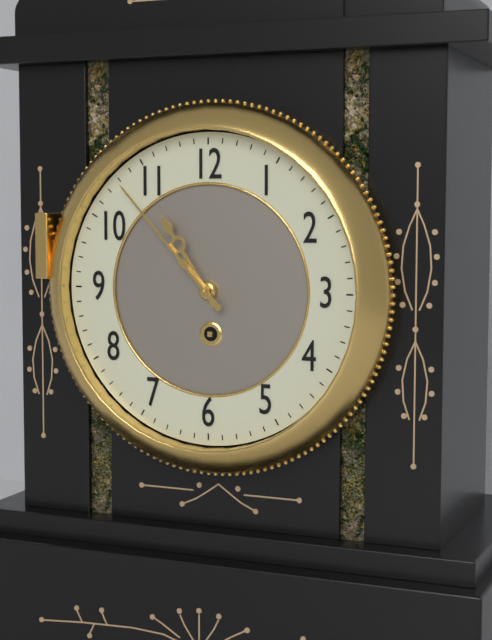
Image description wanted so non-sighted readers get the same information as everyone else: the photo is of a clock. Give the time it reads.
10:53
